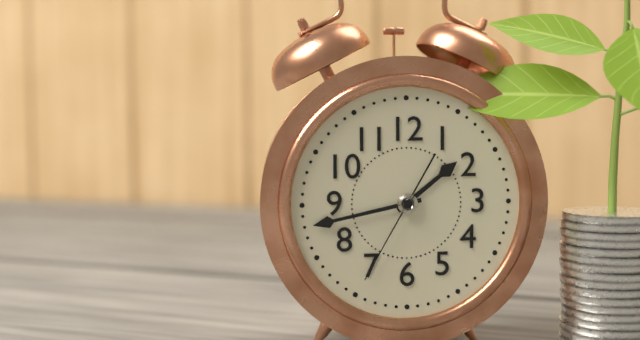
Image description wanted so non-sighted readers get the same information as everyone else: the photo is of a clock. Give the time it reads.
1:43:35
